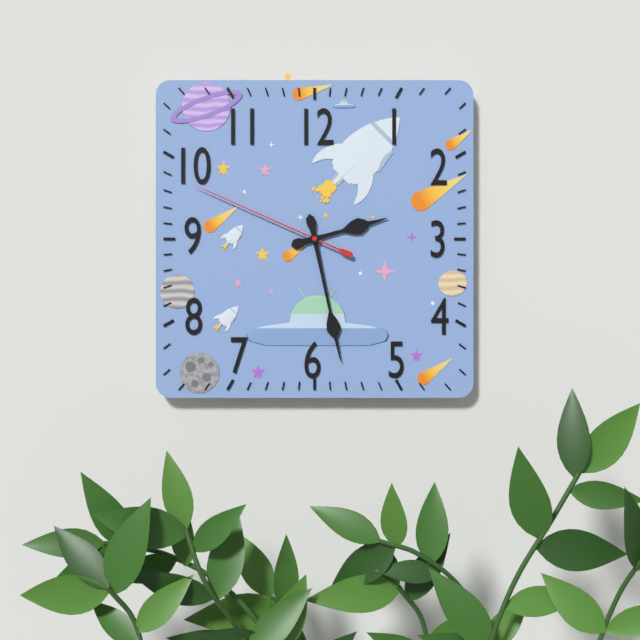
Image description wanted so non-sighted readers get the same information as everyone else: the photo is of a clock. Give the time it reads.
2:28:49
